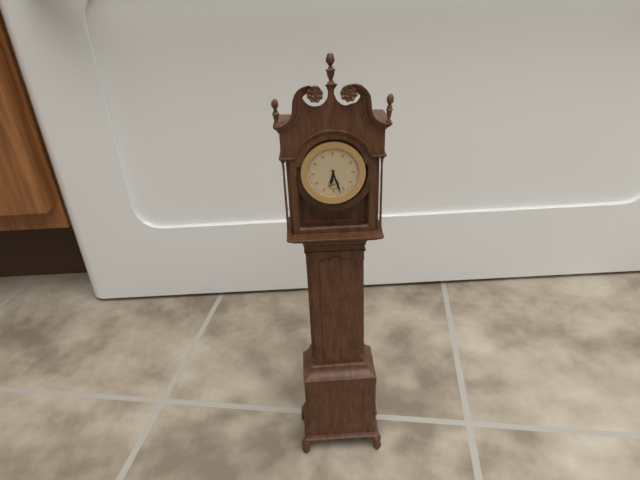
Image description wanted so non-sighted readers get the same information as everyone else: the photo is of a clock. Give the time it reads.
6:27
